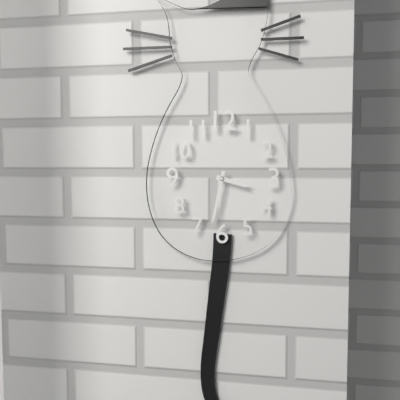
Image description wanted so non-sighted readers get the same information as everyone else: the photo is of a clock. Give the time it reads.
3:32
